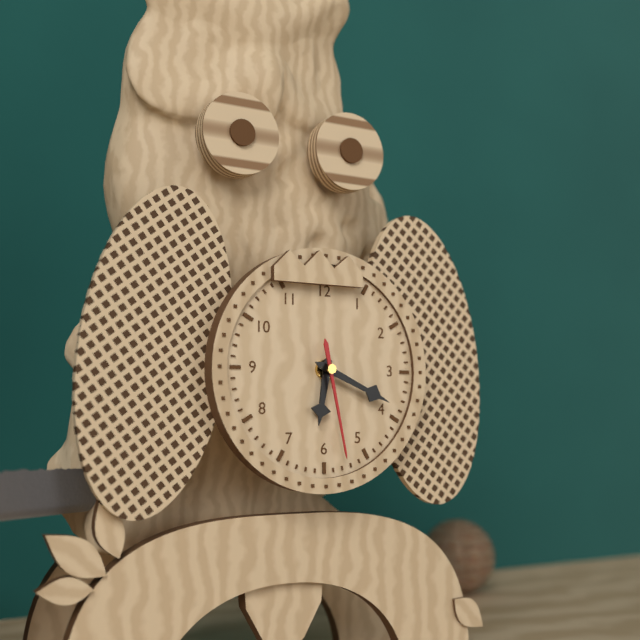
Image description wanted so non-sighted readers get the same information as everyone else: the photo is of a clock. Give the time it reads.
6:19:28
